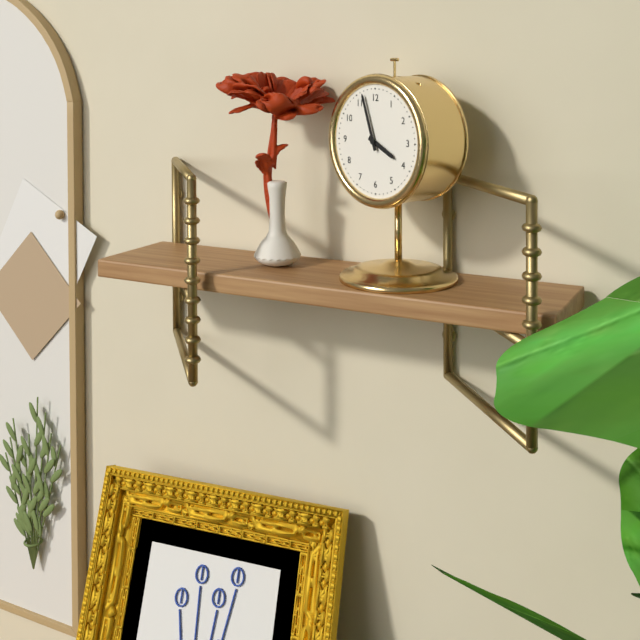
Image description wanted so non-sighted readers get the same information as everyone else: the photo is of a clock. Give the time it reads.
3:57
